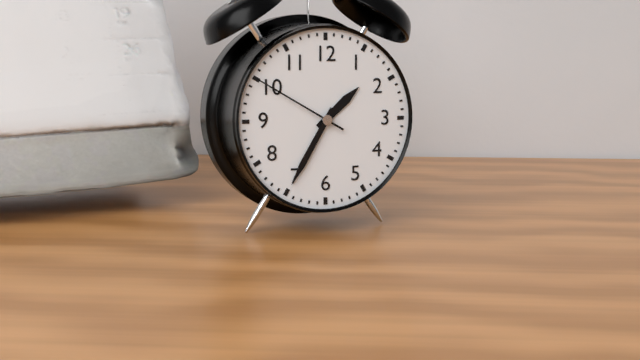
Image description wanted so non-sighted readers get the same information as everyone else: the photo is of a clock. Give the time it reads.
1:35:50
